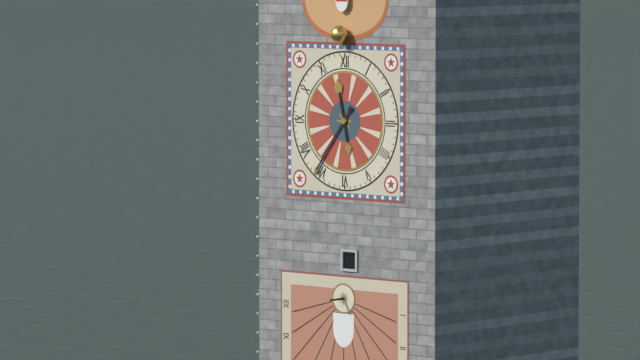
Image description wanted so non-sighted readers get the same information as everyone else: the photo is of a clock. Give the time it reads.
11:36
